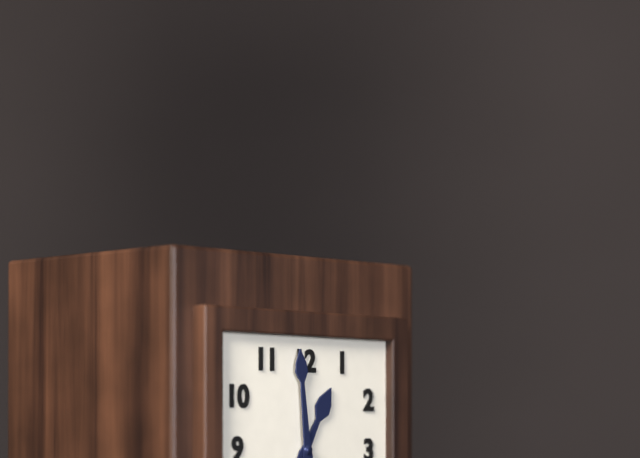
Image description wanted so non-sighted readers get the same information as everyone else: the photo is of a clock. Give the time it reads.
12:59
